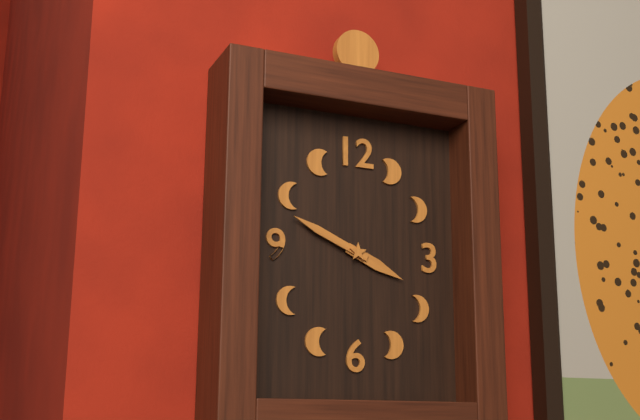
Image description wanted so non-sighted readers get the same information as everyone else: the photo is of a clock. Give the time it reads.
3:49
